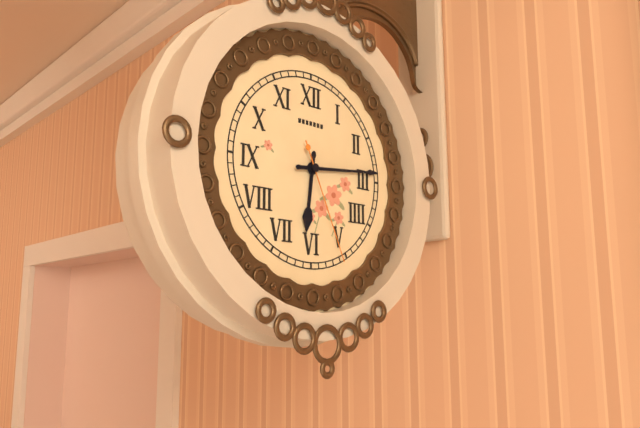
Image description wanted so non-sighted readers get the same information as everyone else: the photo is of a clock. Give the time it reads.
6:14:26
